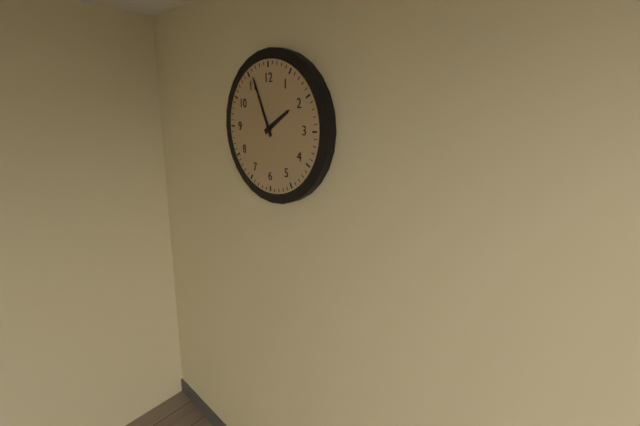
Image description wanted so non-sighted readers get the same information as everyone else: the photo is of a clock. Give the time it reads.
1:56
